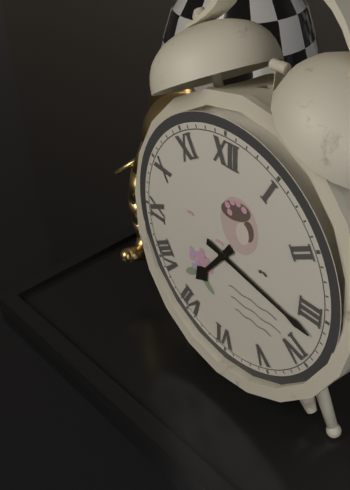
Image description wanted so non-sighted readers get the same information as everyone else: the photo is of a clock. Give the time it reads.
7:17
